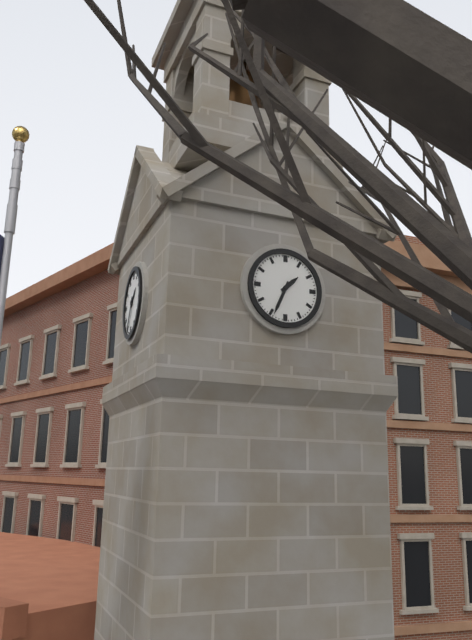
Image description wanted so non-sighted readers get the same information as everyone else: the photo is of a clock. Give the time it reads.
1:34
